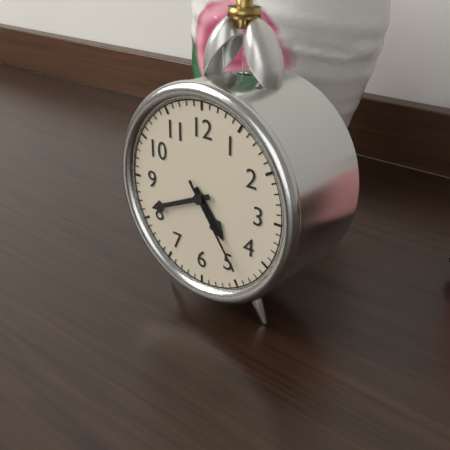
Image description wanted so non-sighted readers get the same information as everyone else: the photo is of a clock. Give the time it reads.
4:41:24
